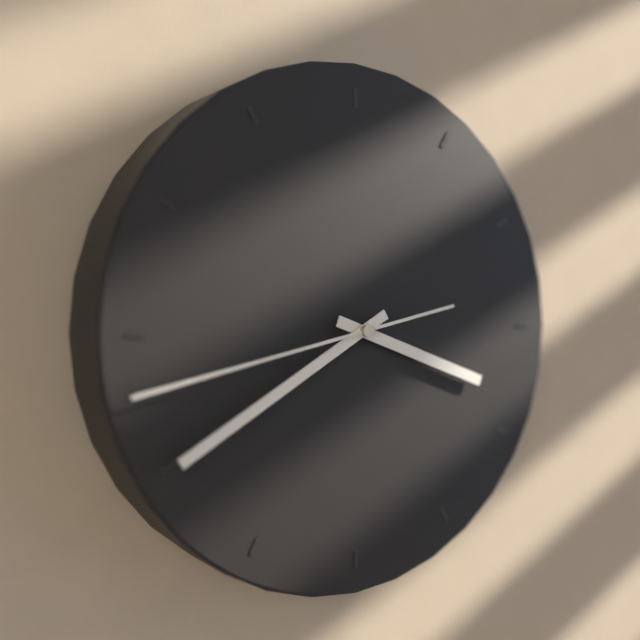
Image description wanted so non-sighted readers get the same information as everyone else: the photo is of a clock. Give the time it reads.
3:40:43
